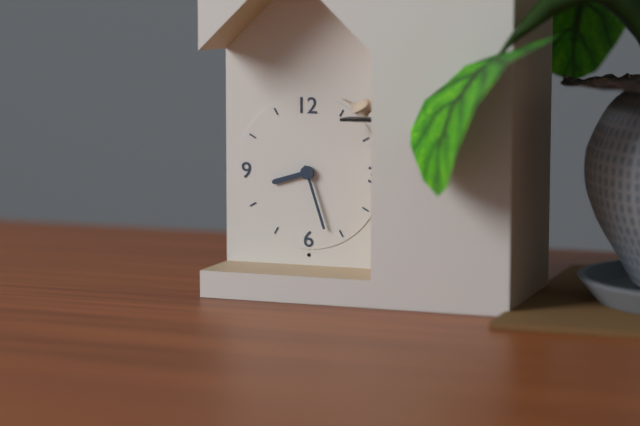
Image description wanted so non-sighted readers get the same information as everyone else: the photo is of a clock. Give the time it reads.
8:27
